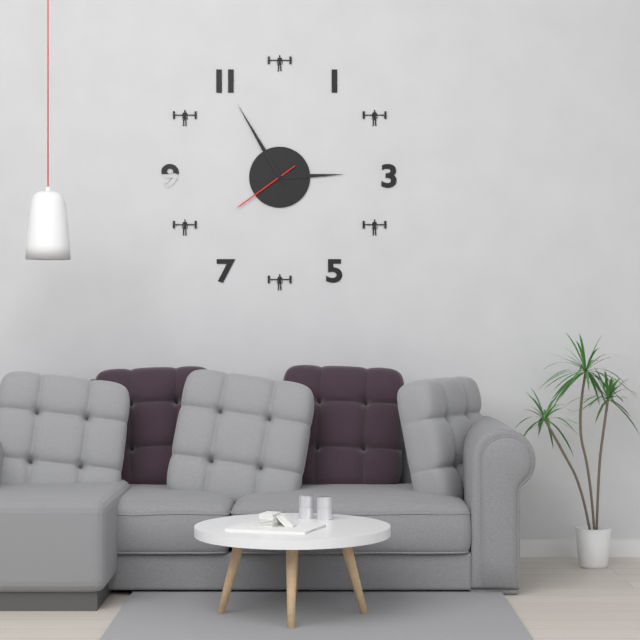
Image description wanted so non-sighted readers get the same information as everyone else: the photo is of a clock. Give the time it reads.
2:55:39
